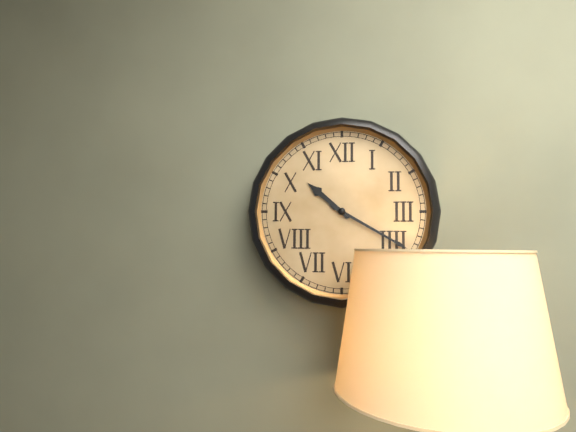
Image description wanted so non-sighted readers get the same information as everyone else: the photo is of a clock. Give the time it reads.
10:20
